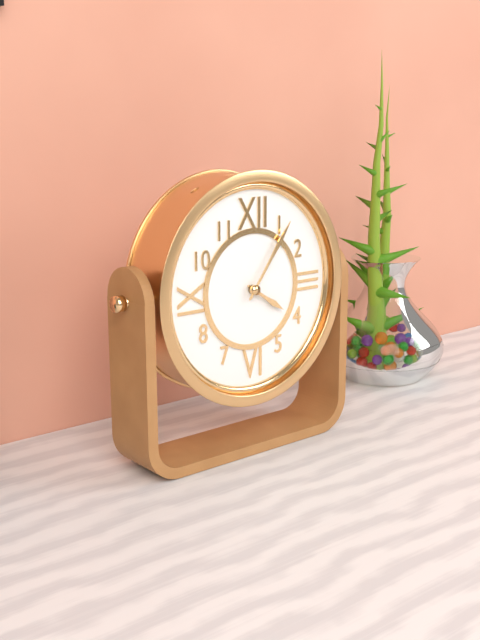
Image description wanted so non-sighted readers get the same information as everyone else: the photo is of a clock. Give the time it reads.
4:06
